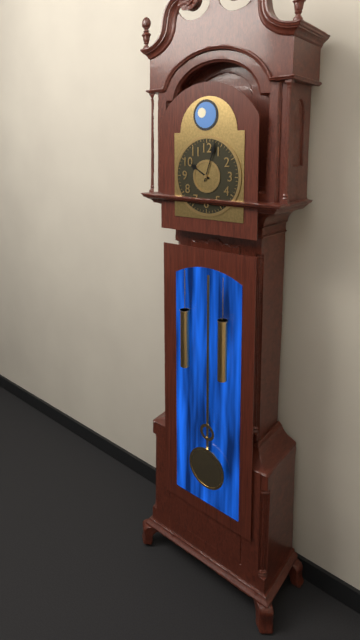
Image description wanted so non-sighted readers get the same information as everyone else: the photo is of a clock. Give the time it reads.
10:03
